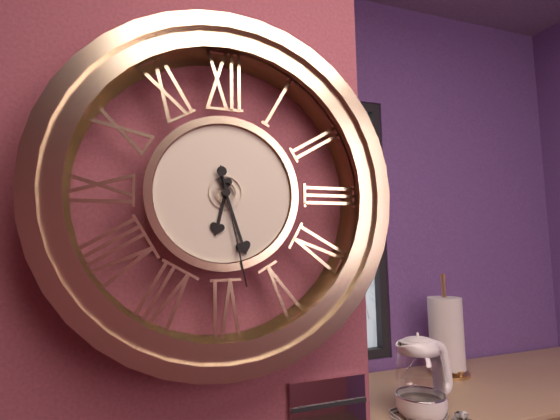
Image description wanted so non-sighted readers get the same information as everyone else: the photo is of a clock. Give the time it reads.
6:27:28
